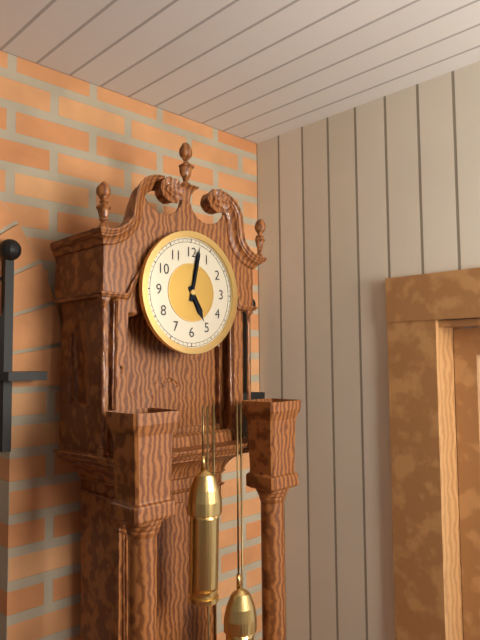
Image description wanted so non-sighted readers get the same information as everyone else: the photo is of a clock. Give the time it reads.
5:02
